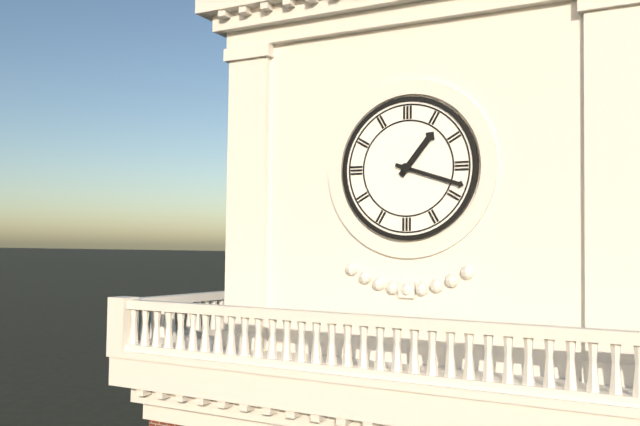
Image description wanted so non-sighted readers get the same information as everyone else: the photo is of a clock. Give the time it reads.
1:18
